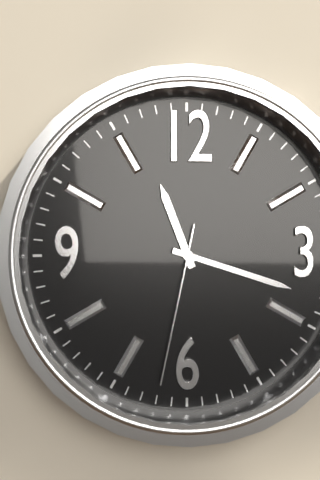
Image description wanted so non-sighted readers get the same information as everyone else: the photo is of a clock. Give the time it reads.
11:18:32
